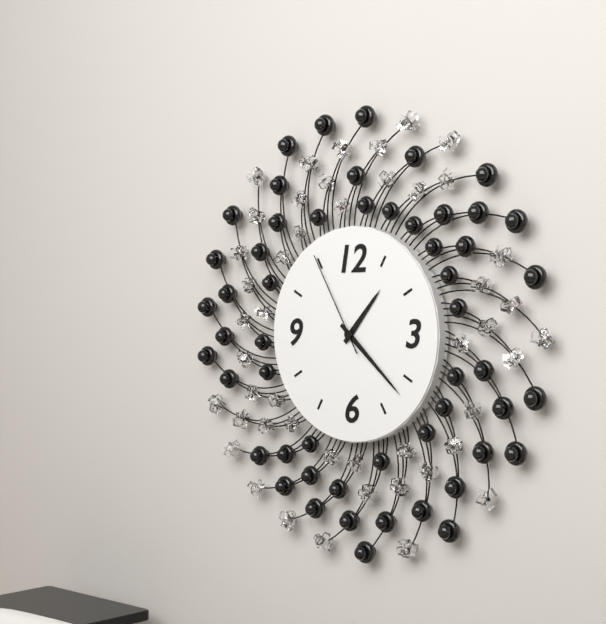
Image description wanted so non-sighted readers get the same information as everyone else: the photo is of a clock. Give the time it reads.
1:22:55
